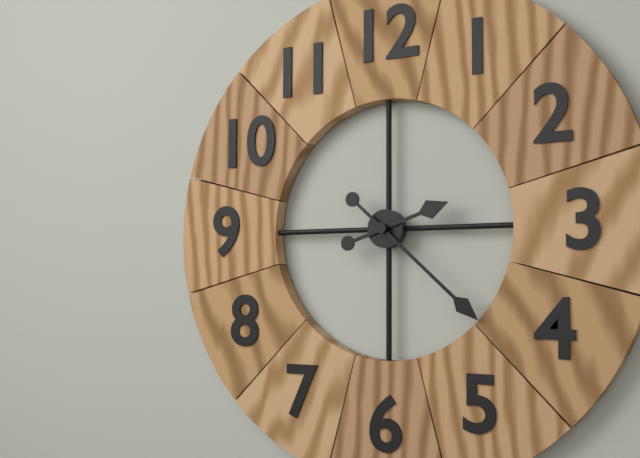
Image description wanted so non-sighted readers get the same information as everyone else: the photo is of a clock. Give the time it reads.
2:22
